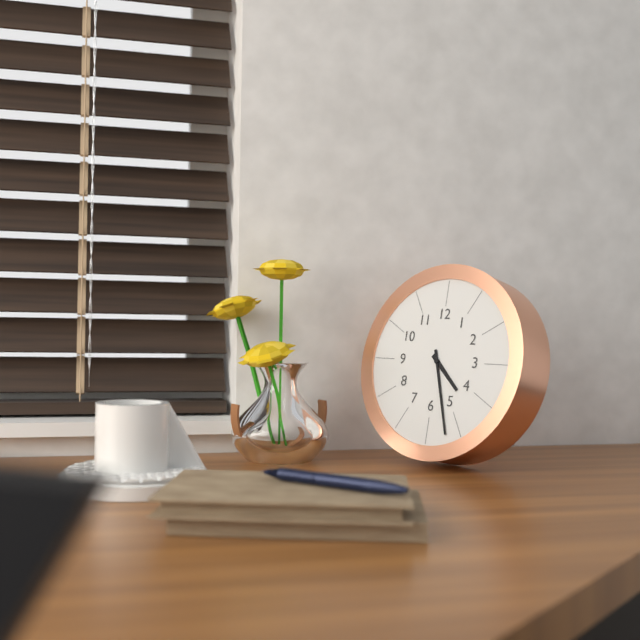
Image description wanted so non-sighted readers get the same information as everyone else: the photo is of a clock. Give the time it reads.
4:27
